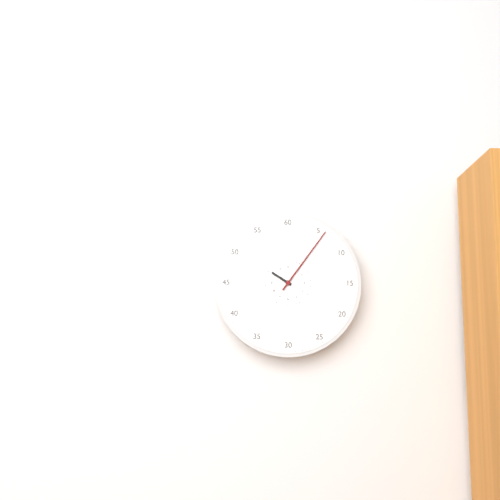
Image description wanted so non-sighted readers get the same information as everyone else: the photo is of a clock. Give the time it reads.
10:06
